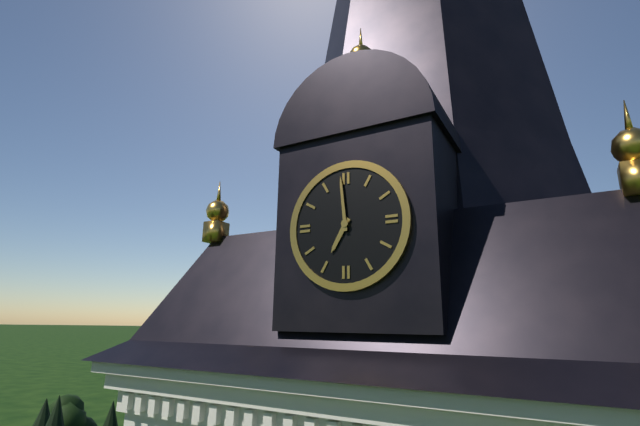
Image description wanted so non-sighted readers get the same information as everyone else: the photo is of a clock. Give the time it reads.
6:59
